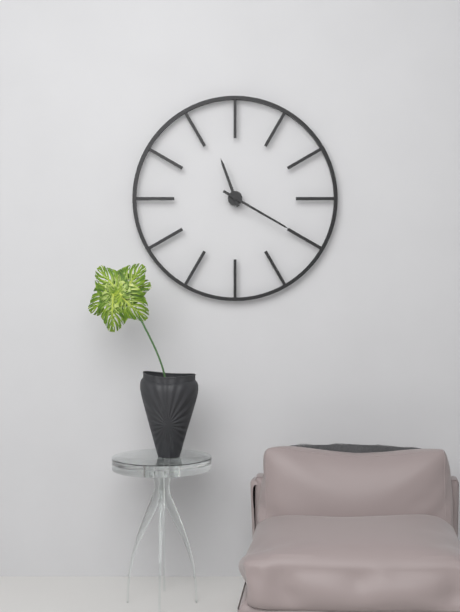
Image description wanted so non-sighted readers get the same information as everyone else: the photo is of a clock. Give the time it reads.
11:20
